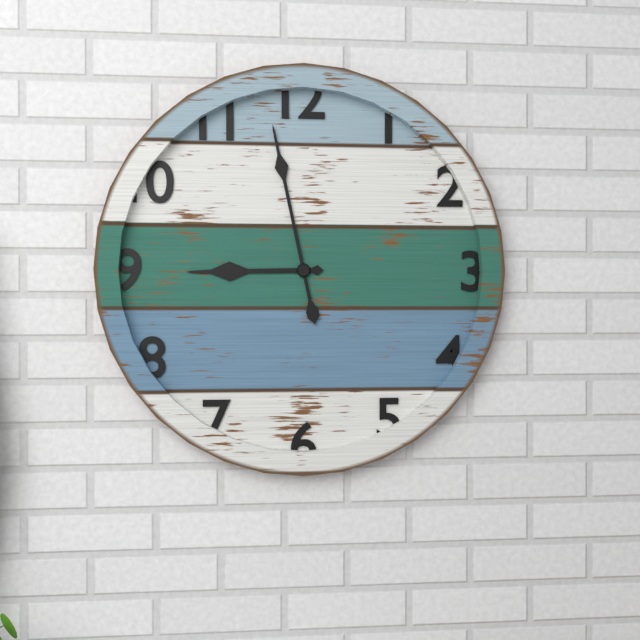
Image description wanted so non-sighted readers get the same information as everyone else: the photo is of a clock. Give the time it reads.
8:58
